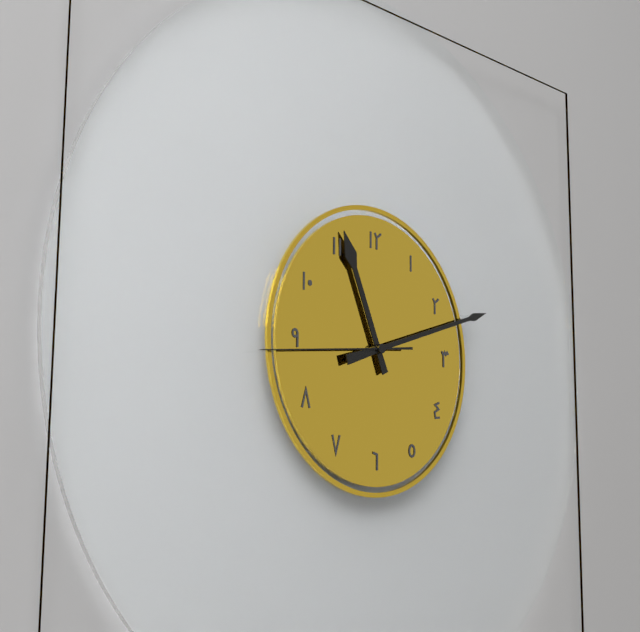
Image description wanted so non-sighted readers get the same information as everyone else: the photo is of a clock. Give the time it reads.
11:12:44
